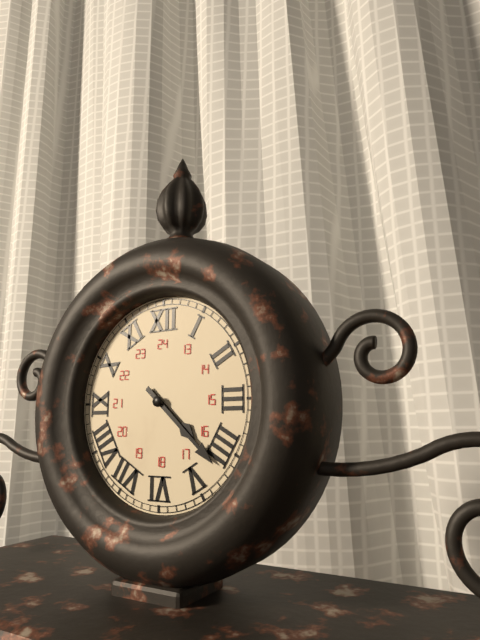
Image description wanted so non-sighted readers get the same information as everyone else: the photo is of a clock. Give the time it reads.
4:22
